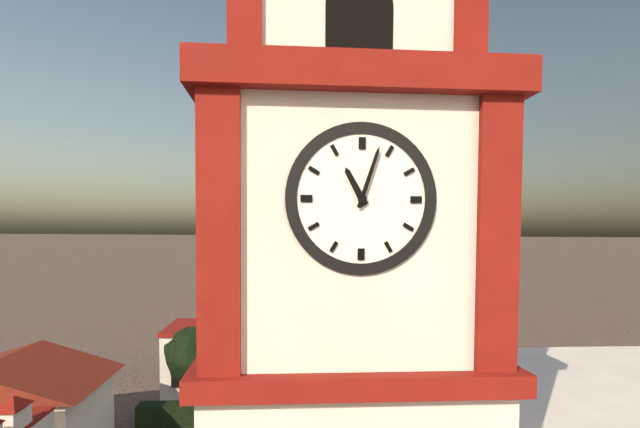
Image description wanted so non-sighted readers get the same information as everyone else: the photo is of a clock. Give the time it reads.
11:03
